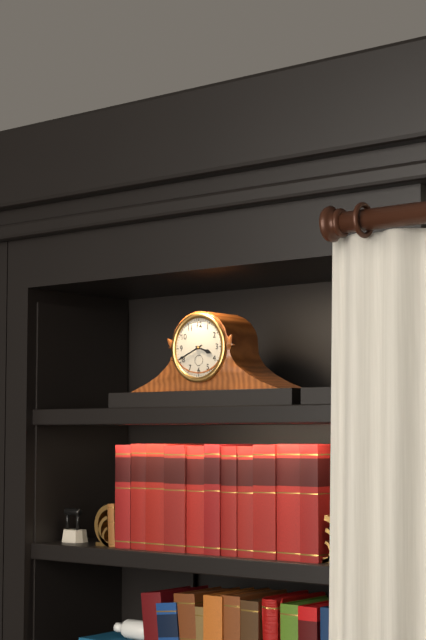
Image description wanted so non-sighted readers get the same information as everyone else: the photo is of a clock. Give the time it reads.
3:41
